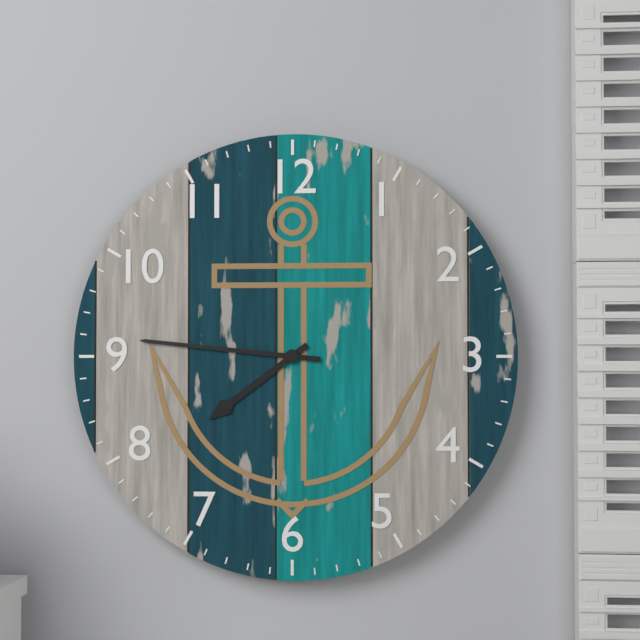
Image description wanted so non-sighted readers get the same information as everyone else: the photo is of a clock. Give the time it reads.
7:46
